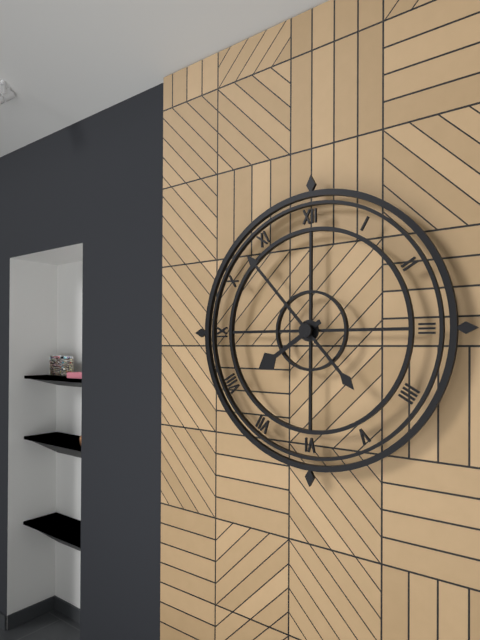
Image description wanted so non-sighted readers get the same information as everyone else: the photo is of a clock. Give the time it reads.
7:53
